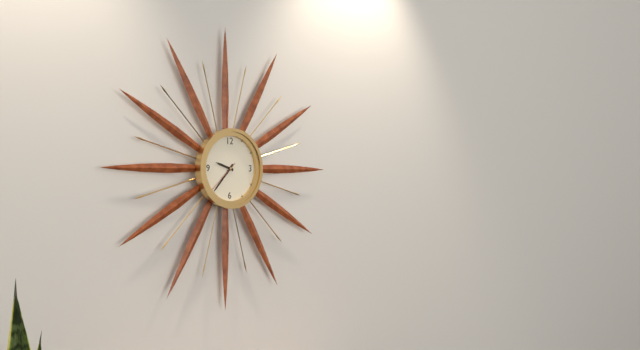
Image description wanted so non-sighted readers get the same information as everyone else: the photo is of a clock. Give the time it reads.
9:37
